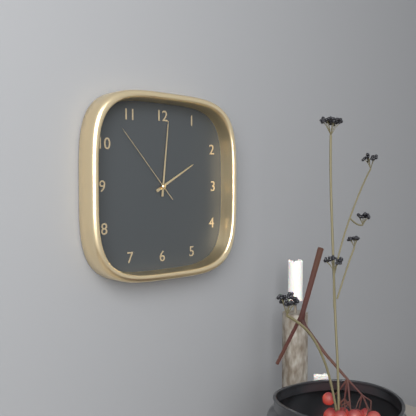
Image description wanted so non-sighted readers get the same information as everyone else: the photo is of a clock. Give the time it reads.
2:01:53
